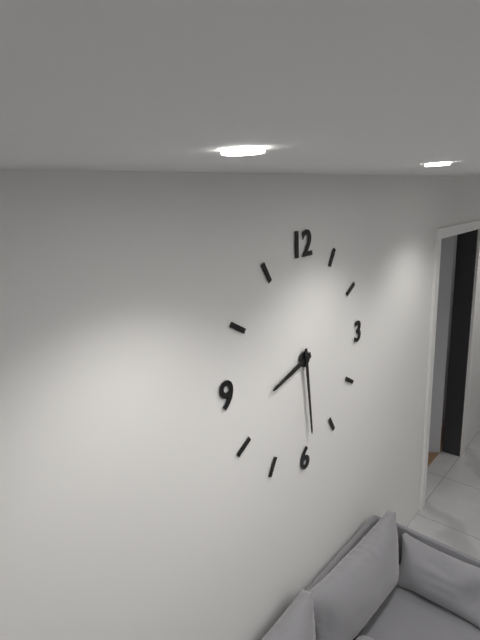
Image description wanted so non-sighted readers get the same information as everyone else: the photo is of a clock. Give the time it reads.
8:29
